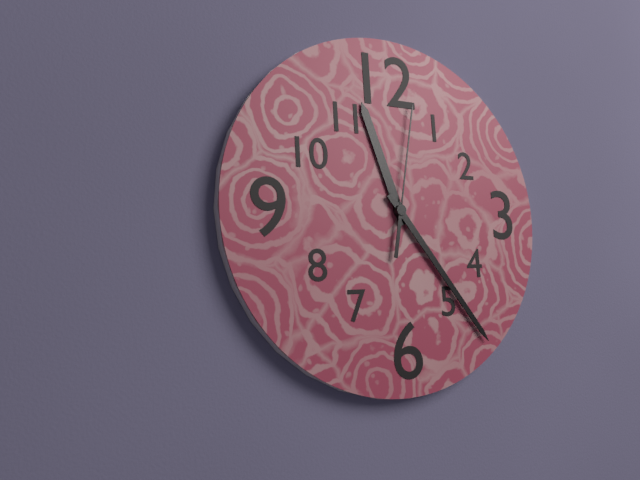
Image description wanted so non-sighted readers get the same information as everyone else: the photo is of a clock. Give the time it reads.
11:24:02
